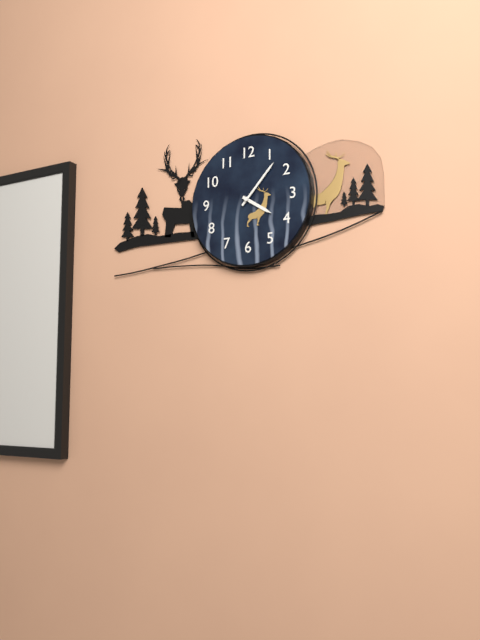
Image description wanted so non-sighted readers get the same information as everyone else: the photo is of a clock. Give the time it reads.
4:07
